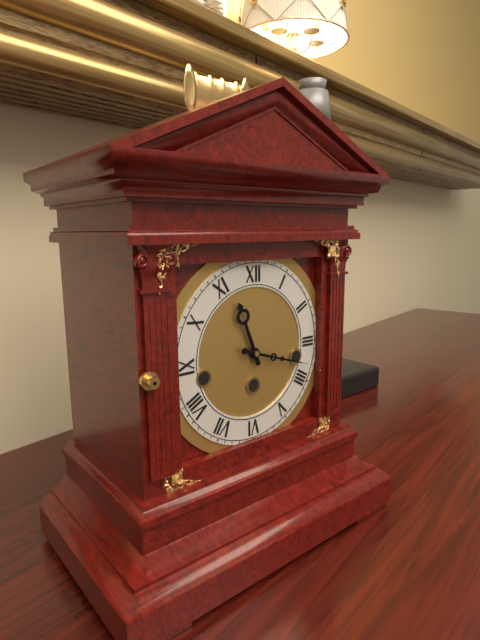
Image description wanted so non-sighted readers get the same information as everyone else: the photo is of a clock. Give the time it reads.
11:18
